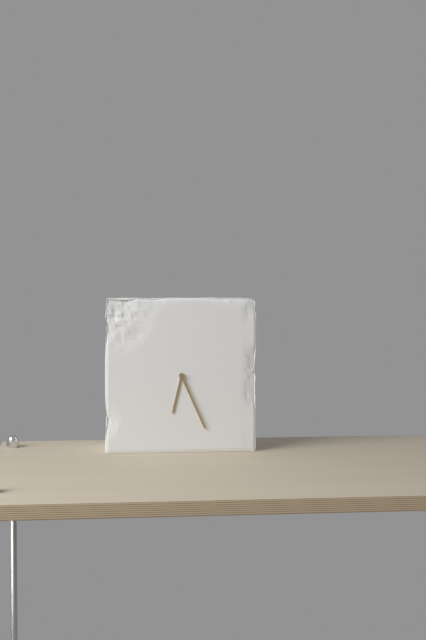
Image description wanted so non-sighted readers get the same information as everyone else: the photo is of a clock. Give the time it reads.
6:26
